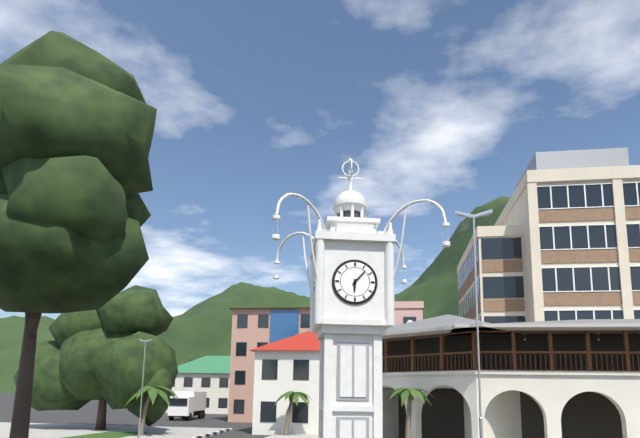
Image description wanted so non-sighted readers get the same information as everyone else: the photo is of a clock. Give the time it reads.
6:07
